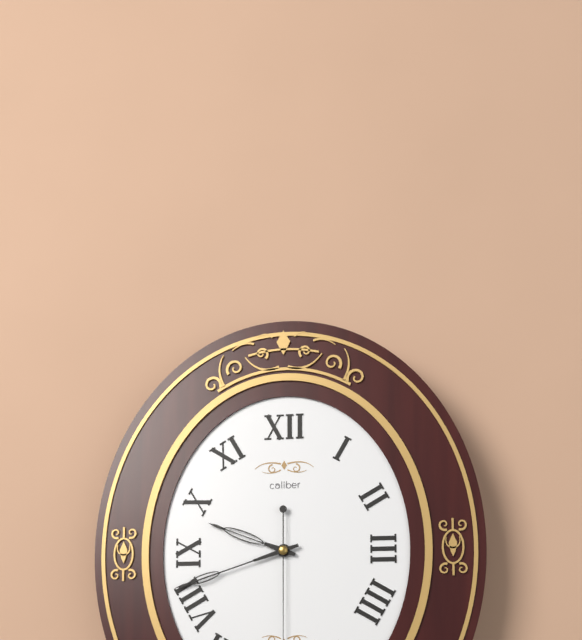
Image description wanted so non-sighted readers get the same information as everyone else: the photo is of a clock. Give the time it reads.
9:42
